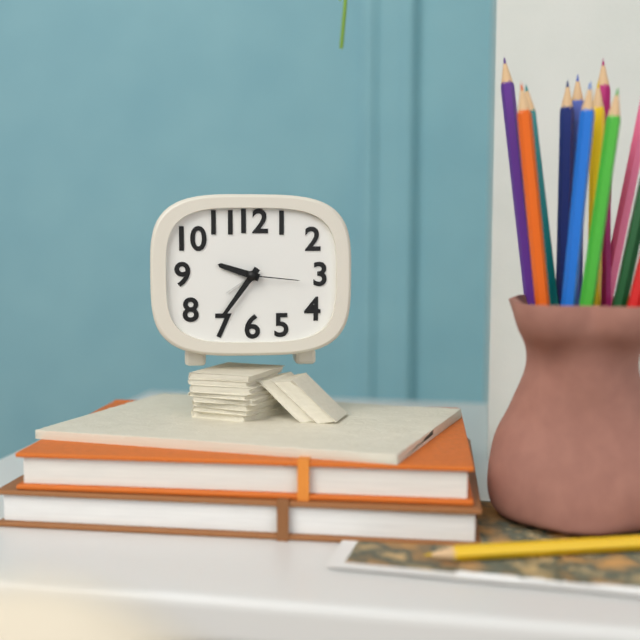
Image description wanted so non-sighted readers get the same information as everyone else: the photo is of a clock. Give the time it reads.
9:36:16
